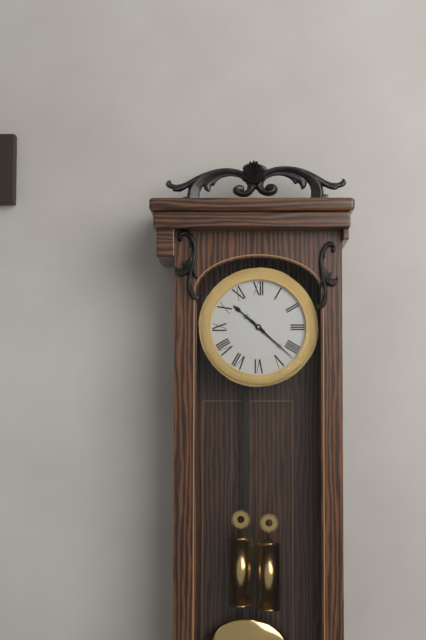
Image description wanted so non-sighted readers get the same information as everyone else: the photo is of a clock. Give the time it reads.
10:22
